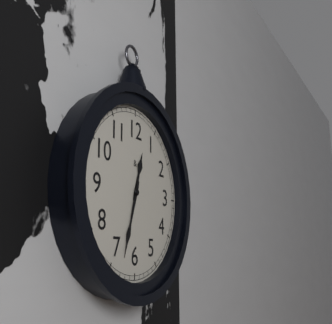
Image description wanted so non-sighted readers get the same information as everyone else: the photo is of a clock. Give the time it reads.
12:33
